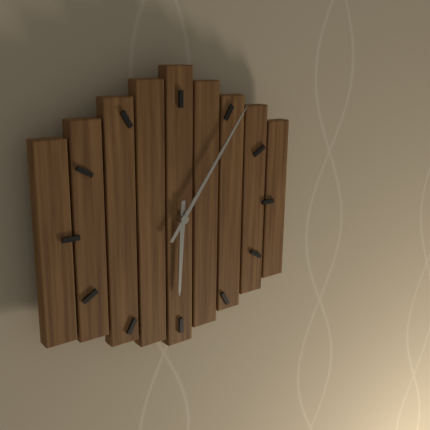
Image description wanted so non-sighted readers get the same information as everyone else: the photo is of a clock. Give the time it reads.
6:06
